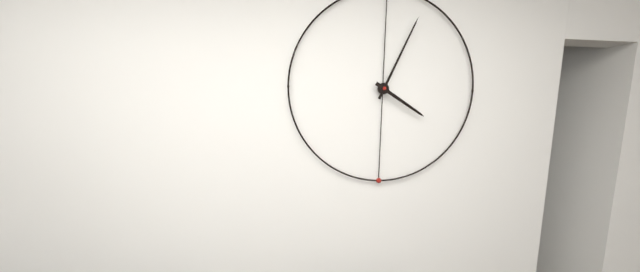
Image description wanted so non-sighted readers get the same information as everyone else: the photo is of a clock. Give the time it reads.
4:04
